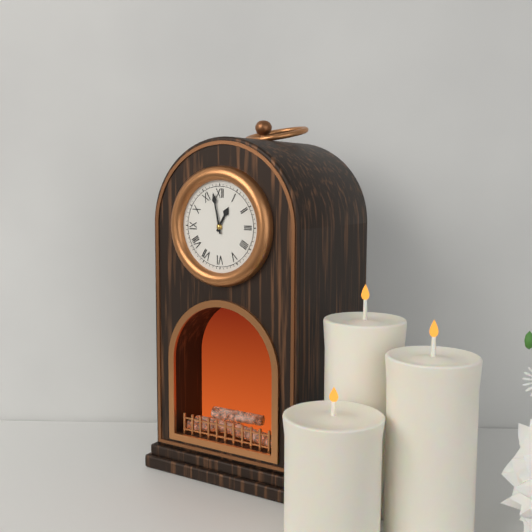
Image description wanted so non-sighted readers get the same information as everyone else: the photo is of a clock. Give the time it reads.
12:58
